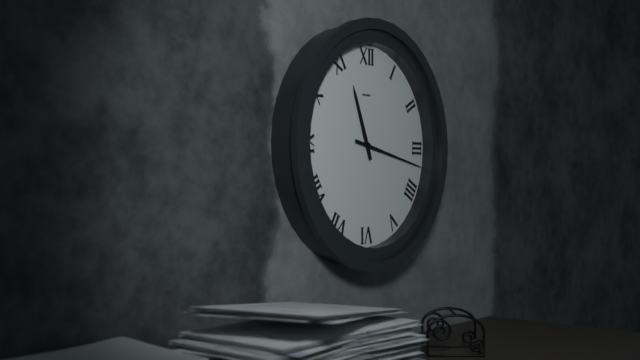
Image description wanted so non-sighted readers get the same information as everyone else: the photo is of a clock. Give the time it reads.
11:17
